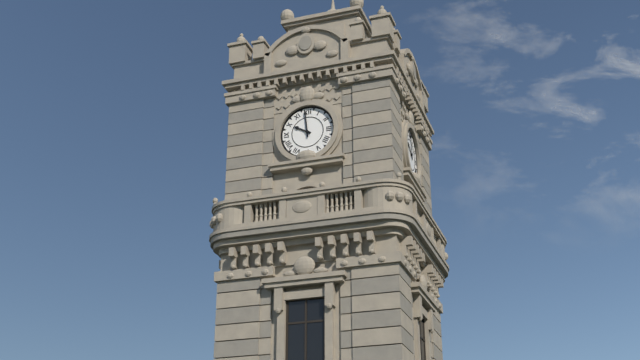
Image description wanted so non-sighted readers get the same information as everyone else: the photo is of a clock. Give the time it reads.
9:59
